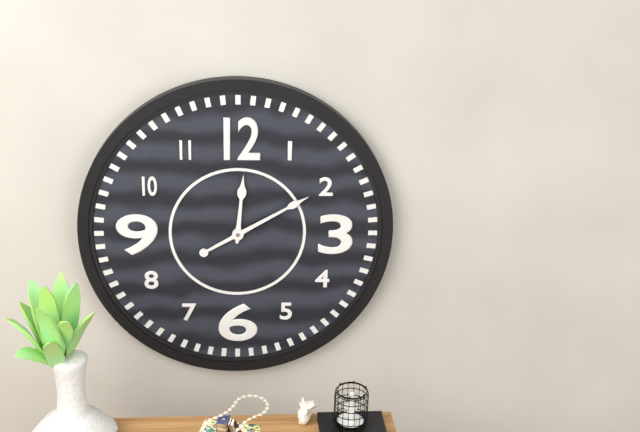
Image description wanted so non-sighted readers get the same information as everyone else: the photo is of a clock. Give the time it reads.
12:10
